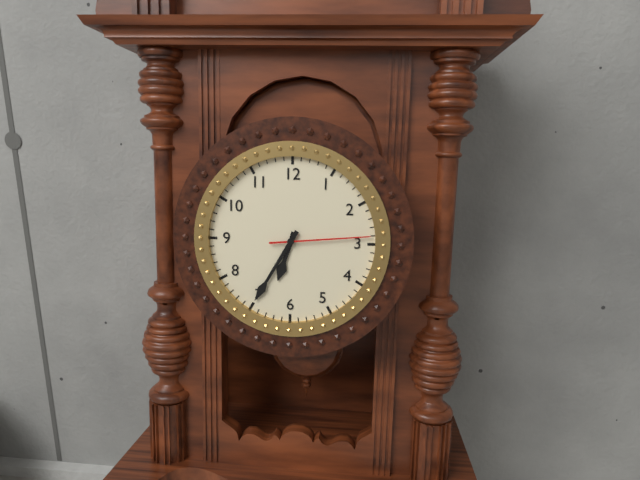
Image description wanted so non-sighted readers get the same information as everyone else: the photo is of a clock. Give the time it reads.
6:35:14
